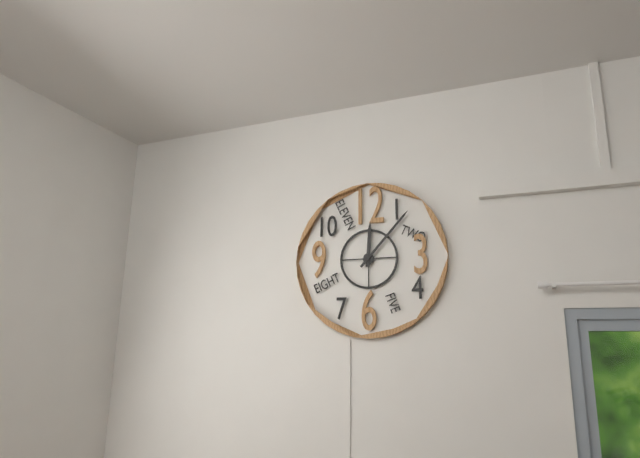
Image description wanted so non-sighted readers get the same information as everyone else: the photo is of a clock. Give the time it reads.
12:07
